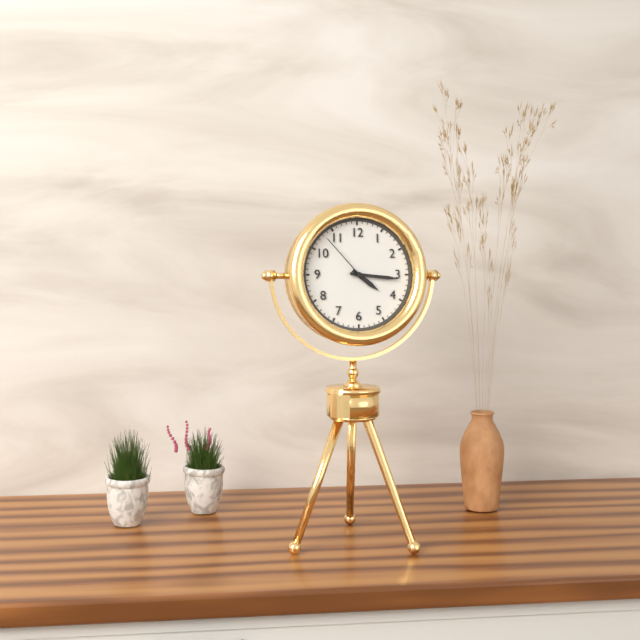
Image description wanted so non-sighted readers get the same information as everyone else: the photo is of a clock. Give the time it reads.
4:16:53
